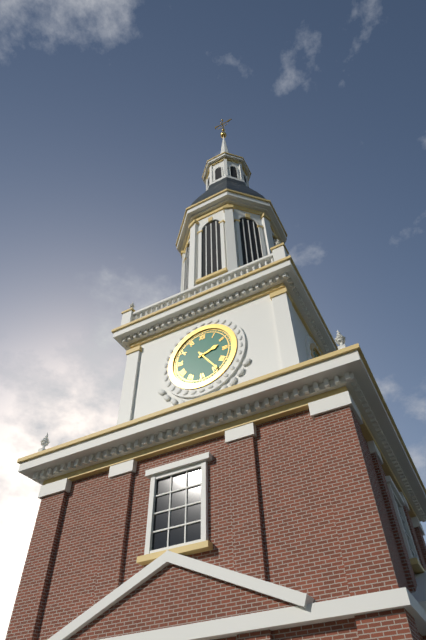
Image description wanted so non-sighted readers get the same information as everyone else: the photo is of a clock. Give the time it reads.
2:24
